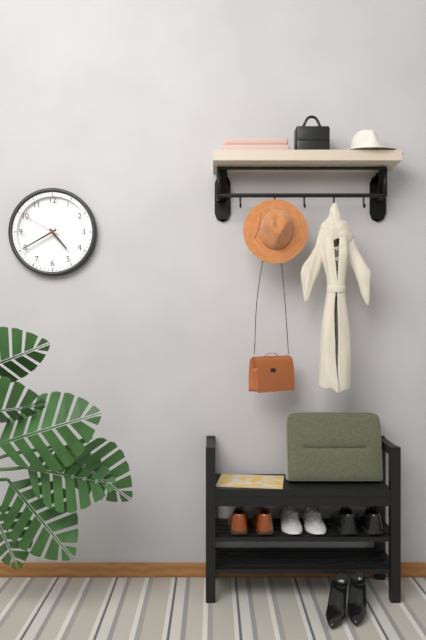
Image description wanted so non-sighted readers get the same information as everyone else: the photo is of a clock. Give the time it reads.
4:40
